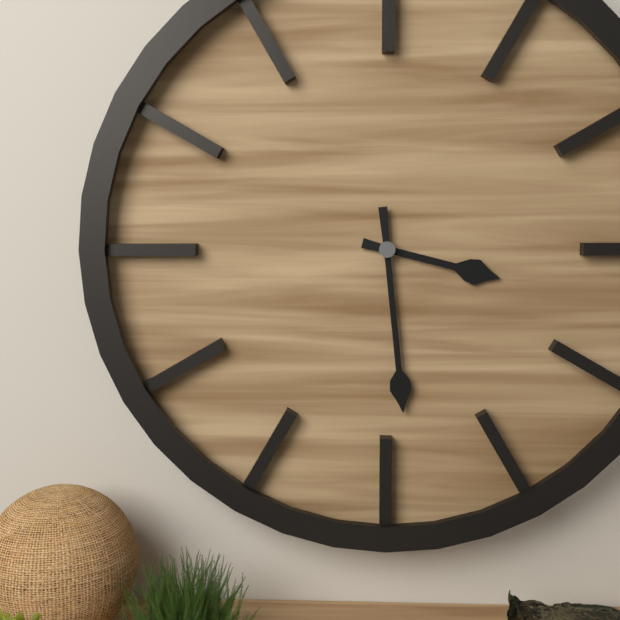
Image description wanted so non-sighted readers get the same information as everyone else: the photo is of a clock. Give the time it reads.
3:29
